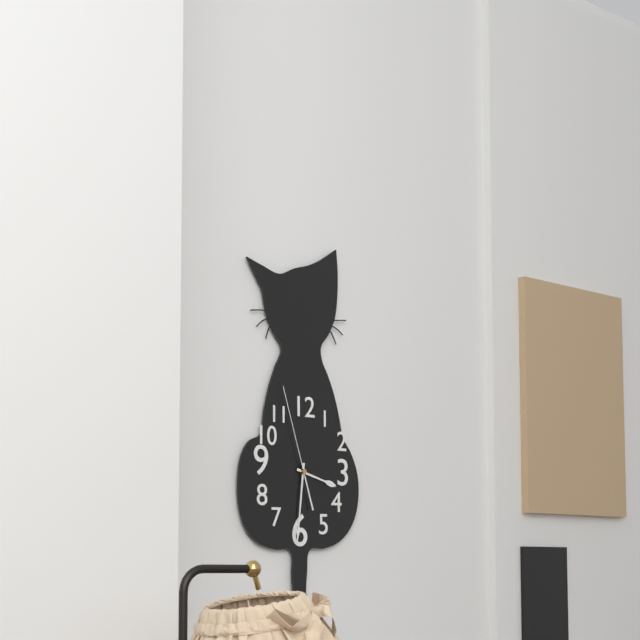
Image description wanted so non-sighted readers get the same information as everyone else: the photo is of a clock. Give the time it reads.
3:31:57
